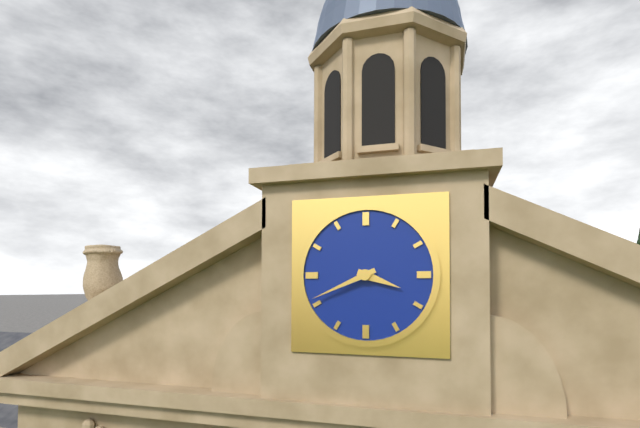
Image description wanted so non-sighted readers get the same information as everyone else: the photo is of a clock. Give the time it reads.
3:41
